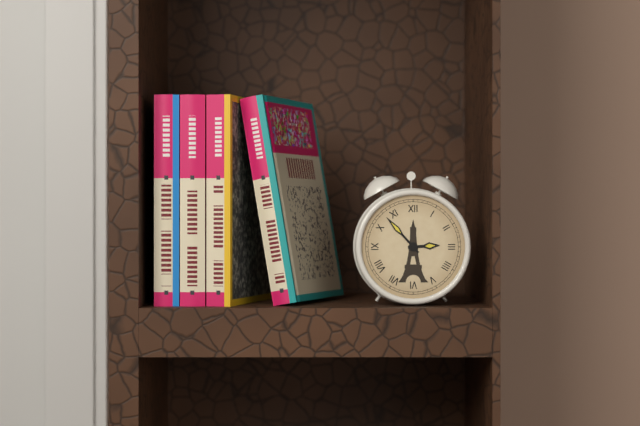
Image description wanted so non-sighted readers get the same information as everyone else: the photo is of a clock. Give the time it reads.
2:53
